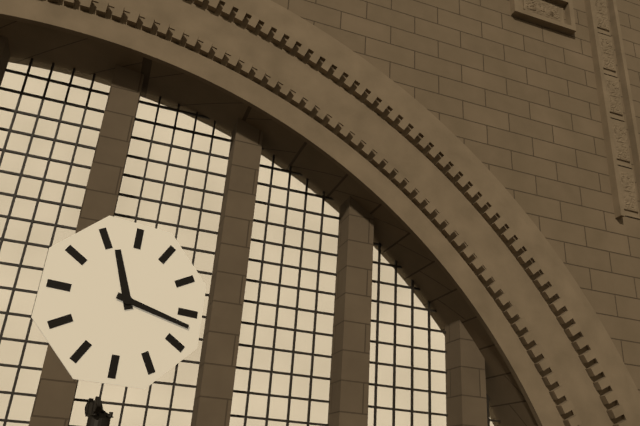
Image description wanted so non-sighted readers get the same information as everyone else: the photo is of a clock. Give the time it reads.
11:17
